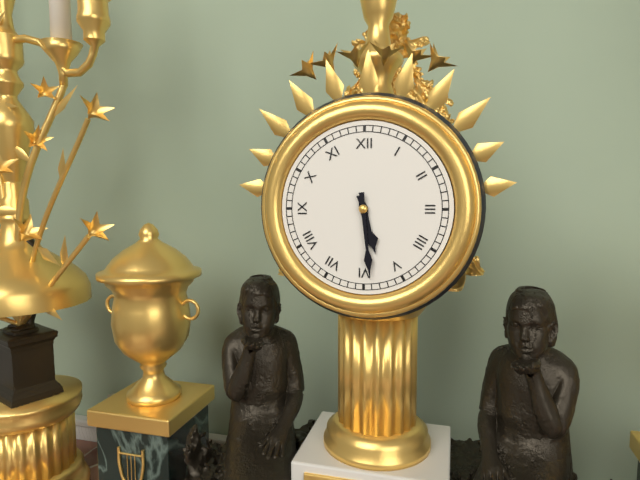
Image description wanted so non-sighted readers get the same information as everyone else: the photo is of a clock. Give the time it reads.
5:29
